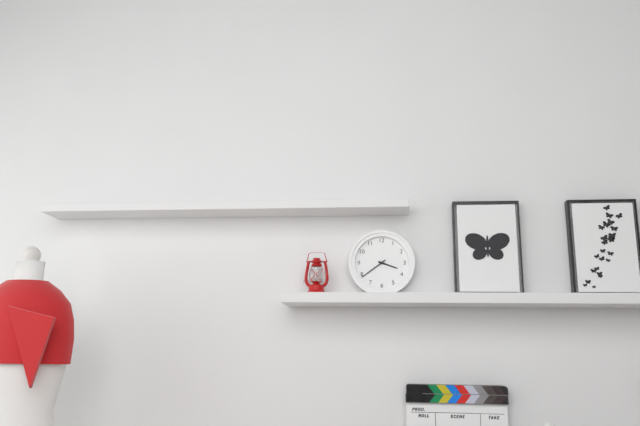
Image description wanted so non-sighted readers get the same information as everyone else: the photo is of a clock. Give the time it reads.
3:39
